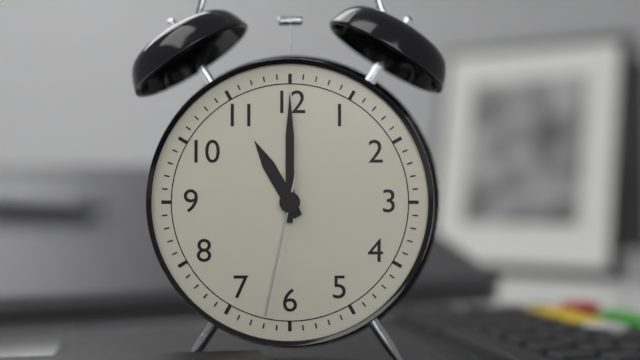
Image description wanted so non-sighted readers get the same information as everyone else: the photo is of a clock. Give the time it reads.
11:00:32
